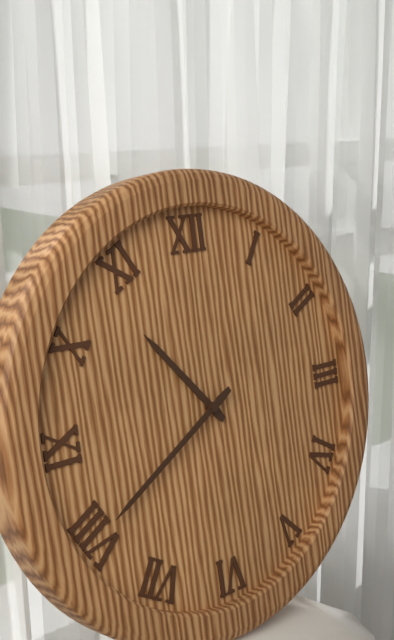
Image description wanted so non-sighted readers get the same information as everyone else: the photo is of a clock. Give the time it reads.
10:40
